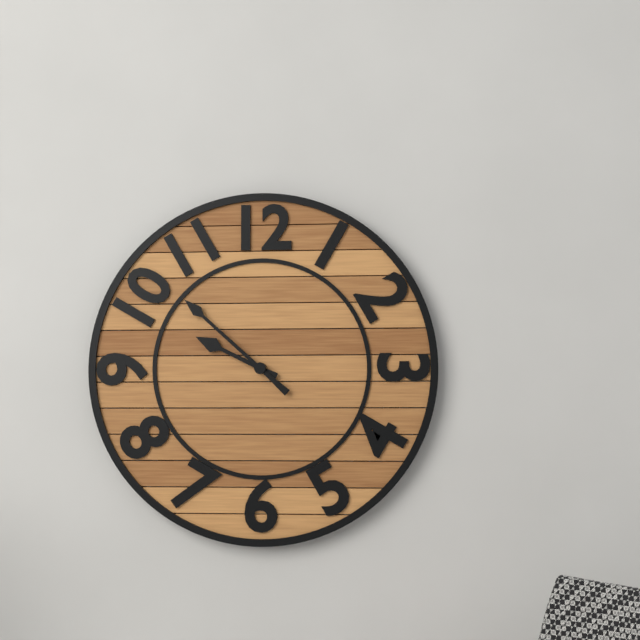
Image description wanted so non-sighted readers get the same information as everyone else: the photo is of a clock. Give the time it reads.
9:52
